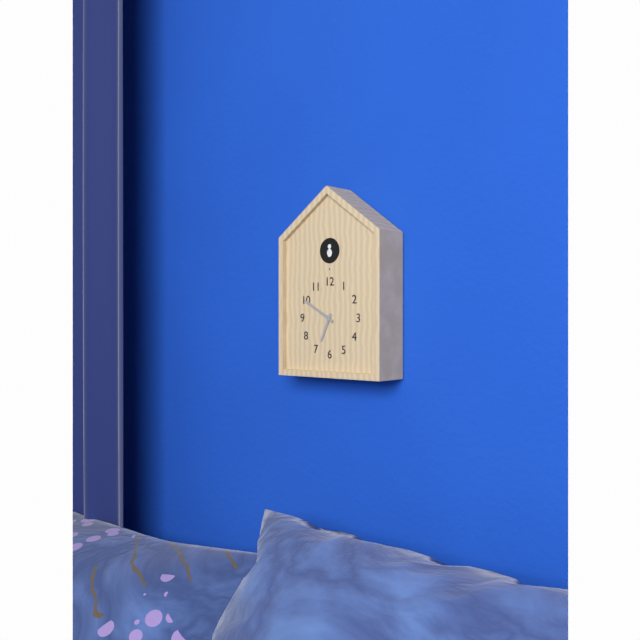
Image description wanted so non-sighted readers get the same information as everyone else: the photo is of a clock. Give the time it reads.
6:50
